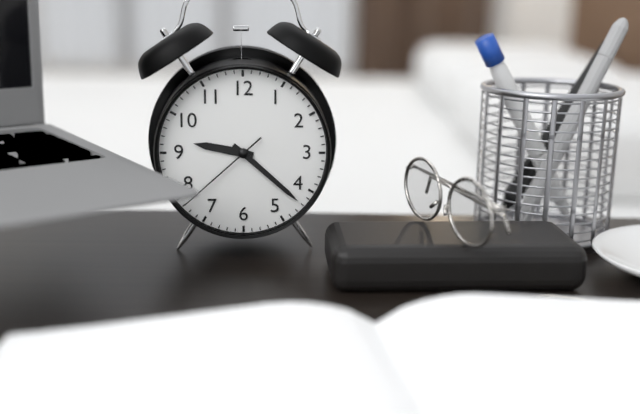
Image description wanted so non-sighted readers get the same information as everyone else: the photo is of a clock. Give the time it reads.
9:22:38
